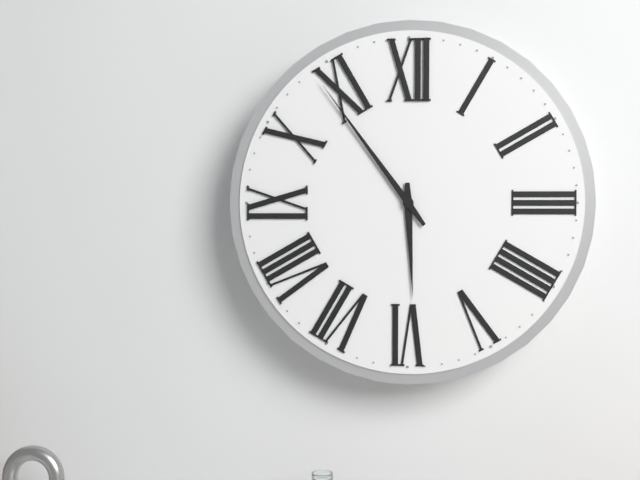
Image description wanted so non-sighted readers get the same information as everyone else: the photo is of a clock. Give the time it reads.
5:54
